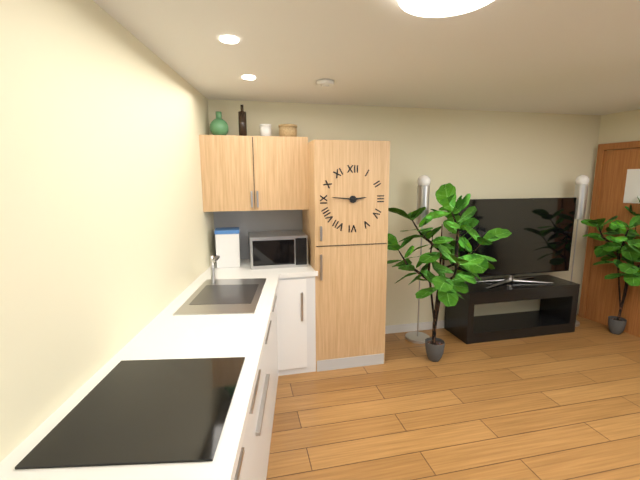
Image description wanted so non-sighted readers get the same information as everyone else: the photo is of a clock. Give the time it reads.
2:46
